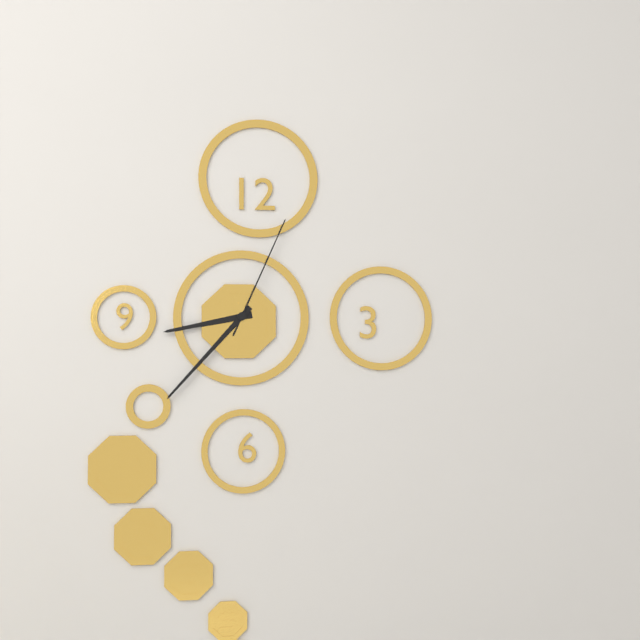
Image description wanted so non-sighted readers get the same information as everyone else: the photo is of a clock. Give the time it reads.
8:37:04
